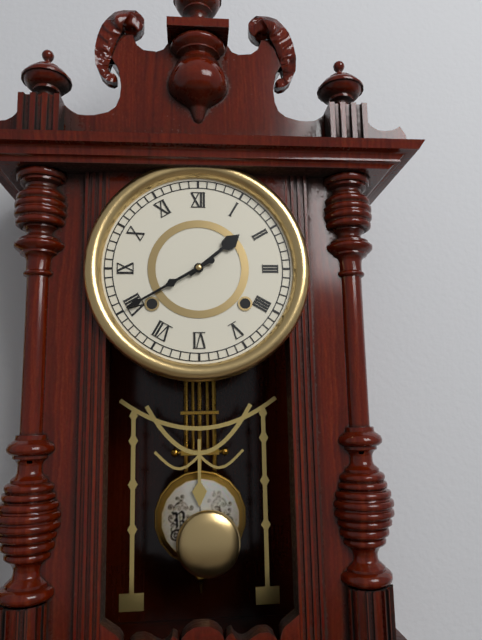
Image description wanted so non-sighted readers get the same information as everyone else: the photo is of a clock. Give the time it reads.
1:40
